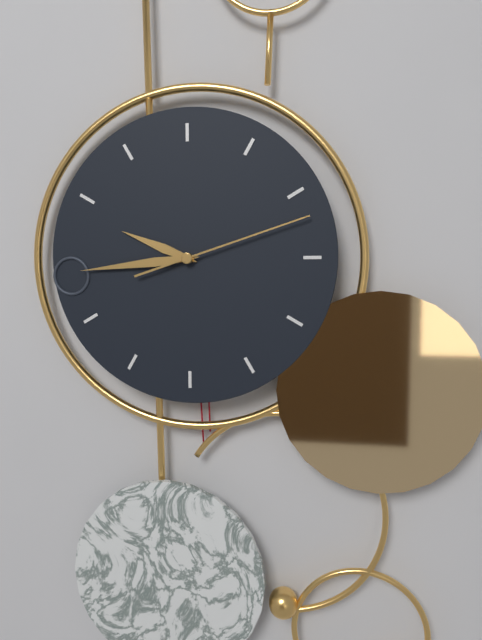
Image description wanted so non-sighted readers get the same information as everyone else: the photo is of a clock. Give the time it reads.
9:44:12
